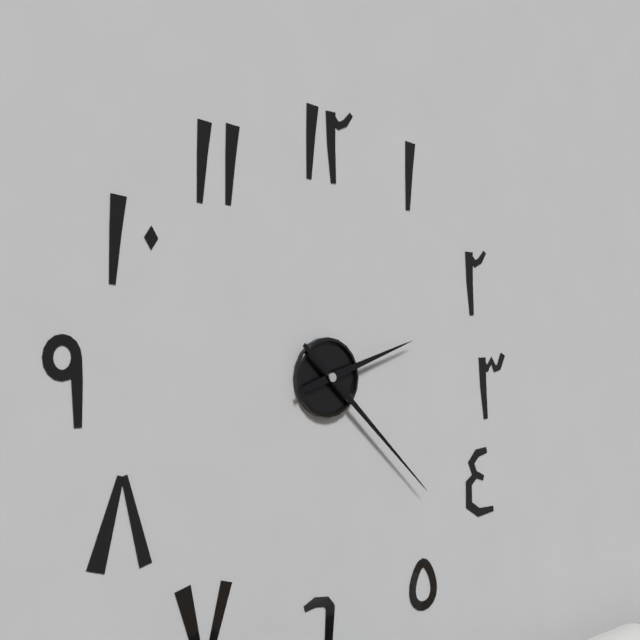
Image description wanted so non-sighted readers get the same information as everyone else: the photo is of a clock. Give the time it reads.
2:22
